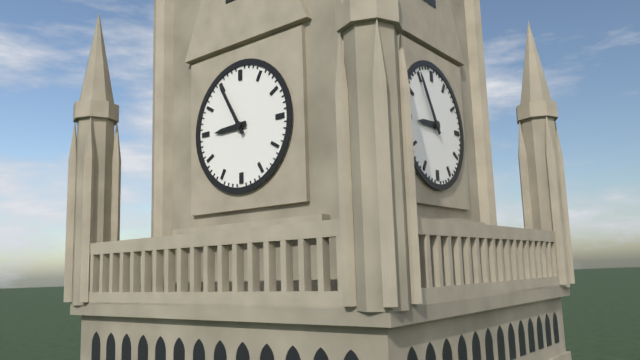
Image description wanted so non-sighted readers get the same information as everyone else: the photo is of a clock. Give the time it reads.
8:55
